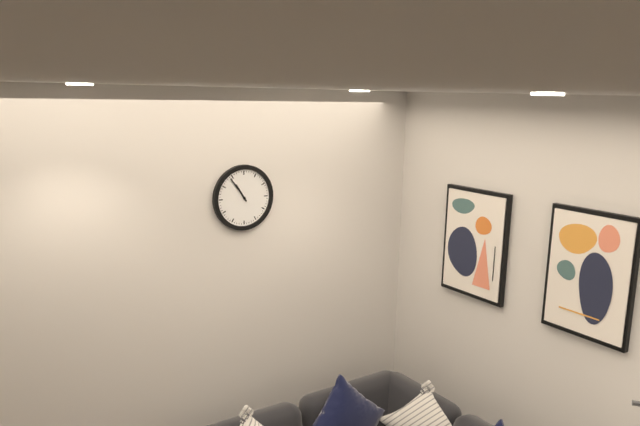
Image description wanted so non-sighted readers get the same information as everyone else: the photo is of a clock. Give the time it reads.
10:54
